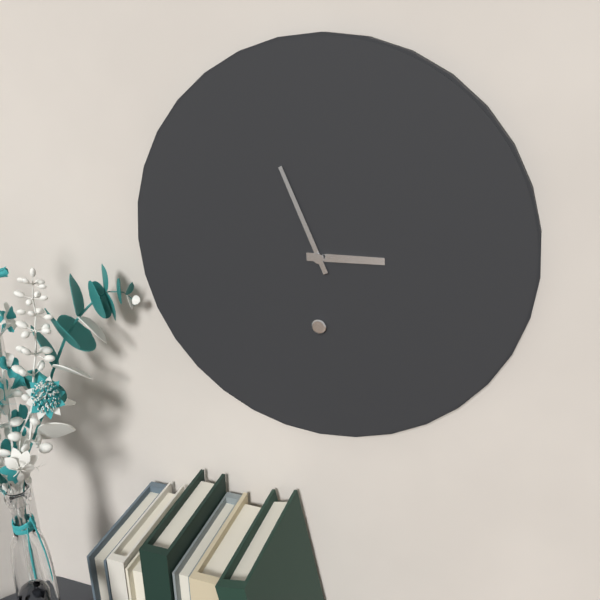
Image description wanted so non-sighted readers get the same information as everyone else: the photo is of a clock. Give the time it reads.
2:56
